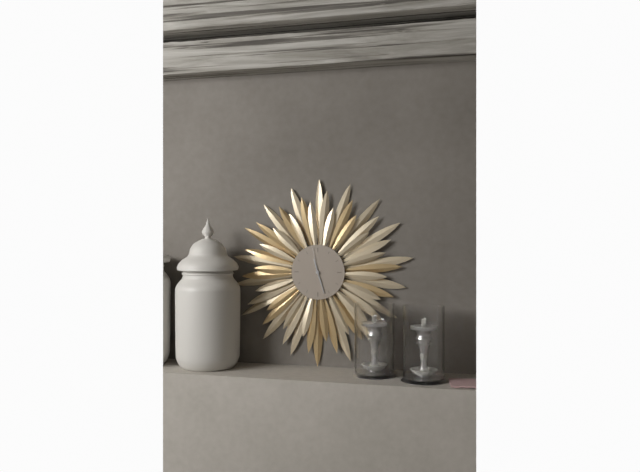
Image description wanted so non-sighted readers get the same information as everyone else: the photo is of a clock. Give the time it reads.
11:27
